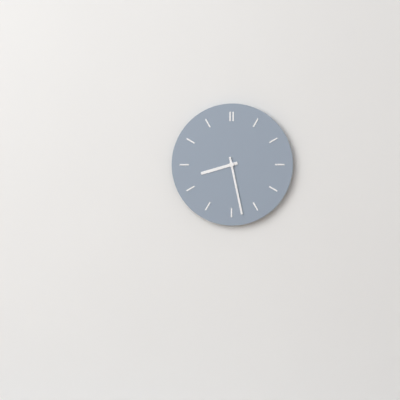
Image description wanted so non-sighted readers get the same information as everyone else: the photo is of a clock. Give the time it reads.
8:28
